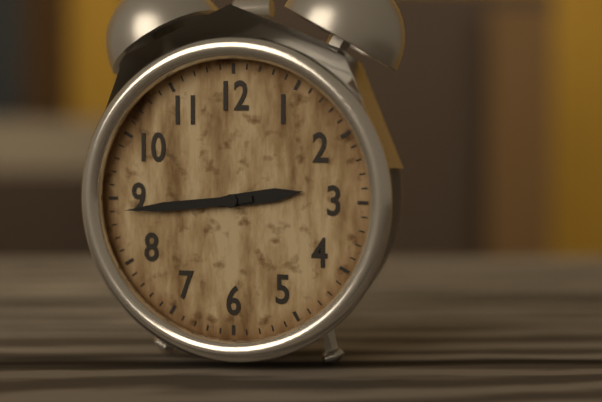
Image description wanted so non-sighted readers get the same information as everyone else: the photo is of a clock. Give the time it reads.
2:44
